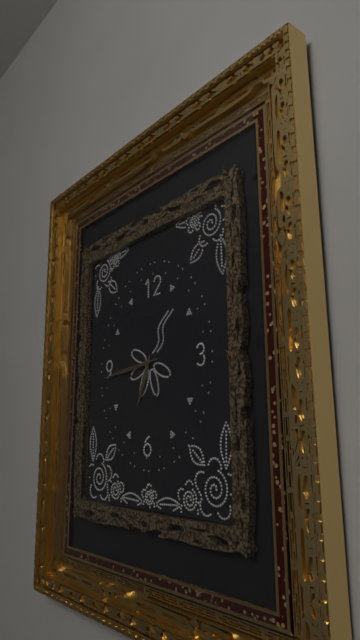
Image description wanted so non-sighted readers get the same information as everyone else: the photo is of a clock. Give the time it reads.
6:44:44
